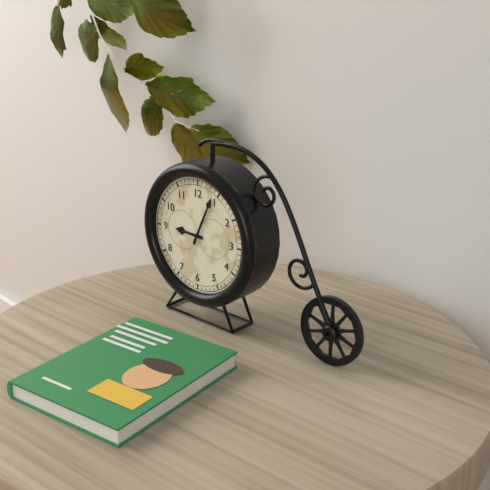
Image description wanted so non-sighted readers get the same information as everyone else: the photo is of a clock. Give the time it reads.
9:04
